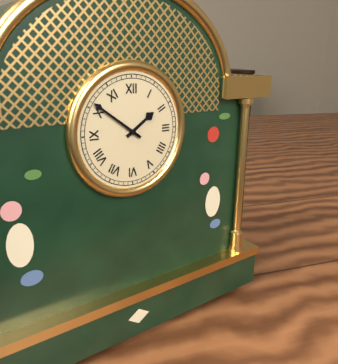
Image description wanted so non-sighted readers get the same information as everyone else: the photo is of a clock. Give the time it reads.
1:51
